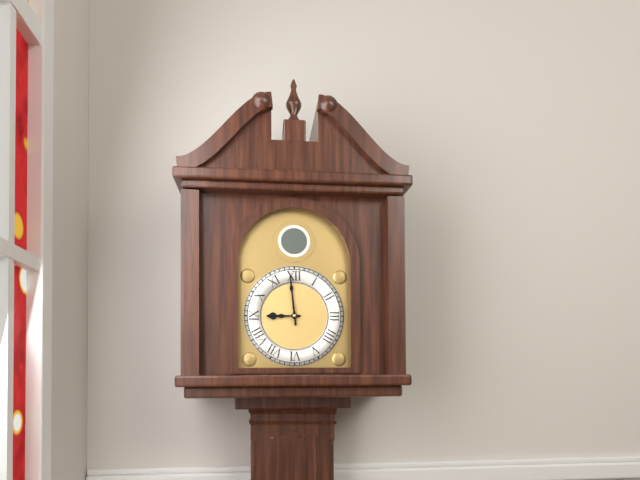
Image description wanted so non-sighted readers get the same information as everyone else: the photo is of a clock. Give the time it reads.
8:59
